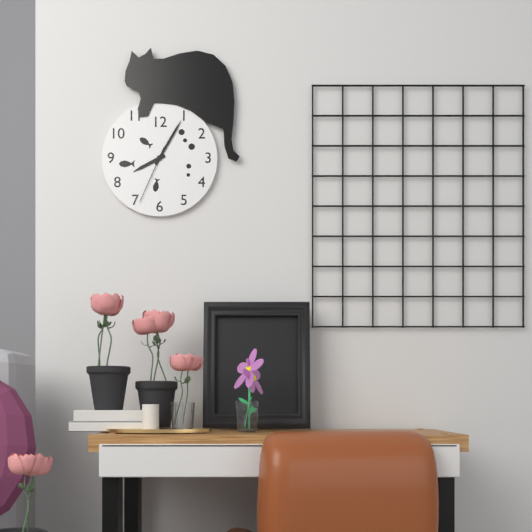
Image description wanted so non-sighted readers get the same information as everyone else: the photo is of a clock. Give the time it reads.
8:05:34
